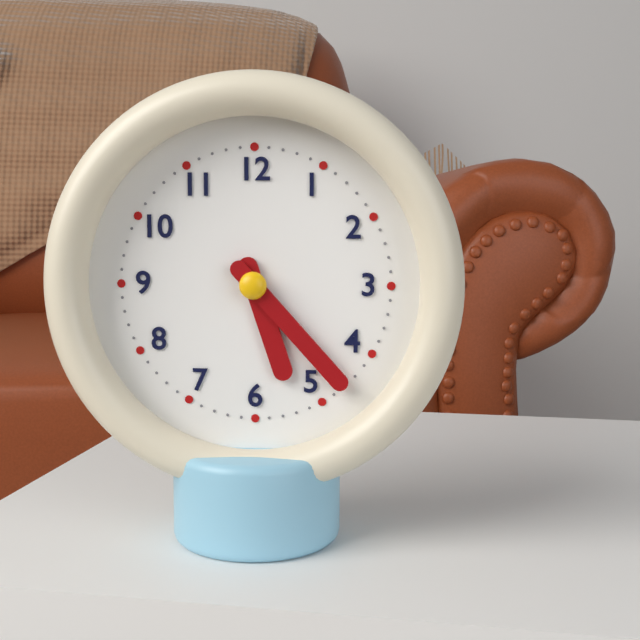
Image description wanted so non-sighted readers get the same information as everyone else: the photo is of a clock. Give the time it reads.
5:23
